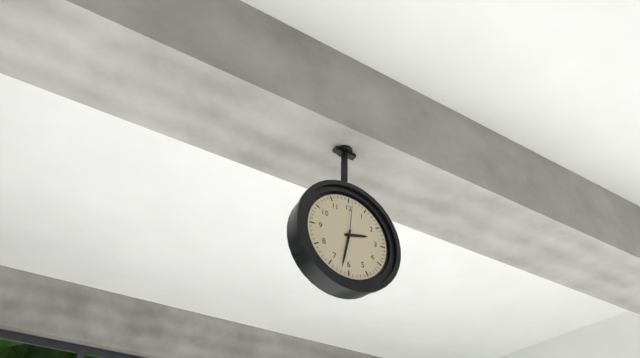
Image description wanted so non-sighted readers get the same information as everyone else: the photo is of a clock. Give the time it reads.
2:32
